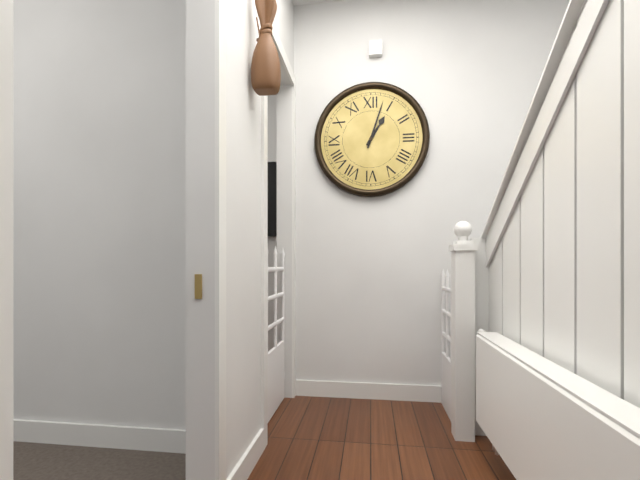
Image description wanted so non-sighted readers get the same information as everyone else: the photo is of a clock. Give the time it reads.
1:03
